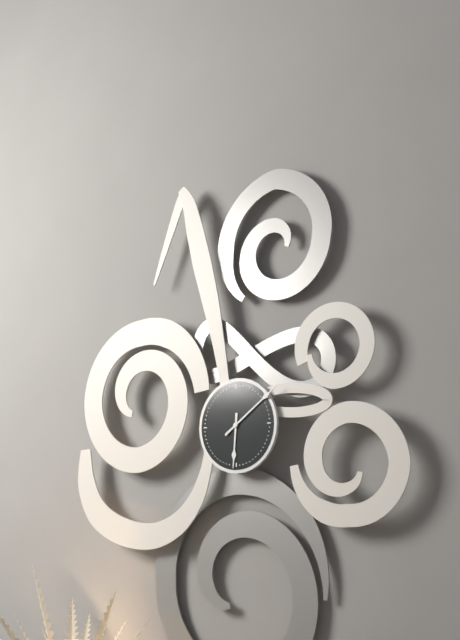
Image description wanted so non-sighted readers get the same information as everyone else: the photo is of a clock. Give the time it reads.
6:09
